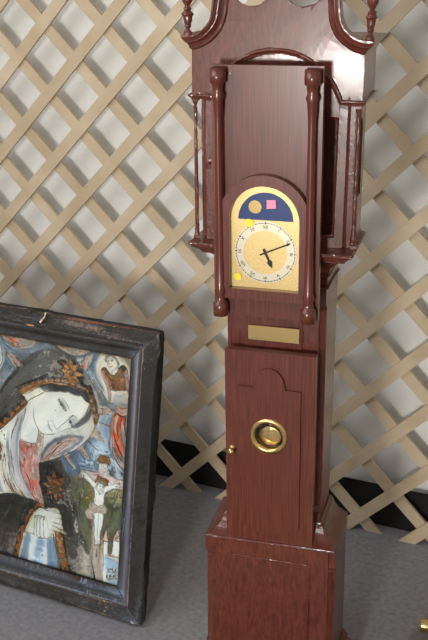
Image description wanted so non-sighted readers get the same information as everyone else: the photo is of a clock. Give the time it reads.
5:11
